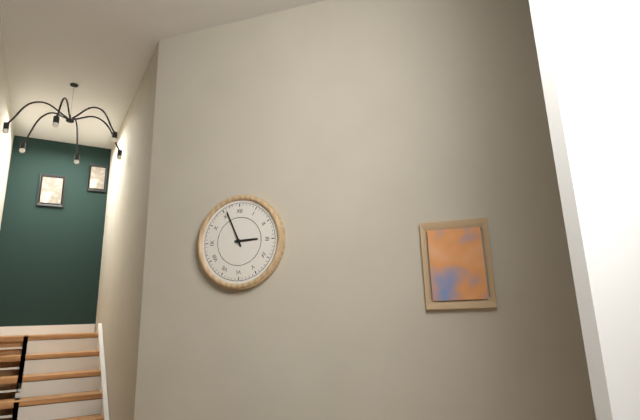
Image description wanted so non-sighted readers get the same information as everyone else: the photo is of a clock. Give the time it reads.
2:56
